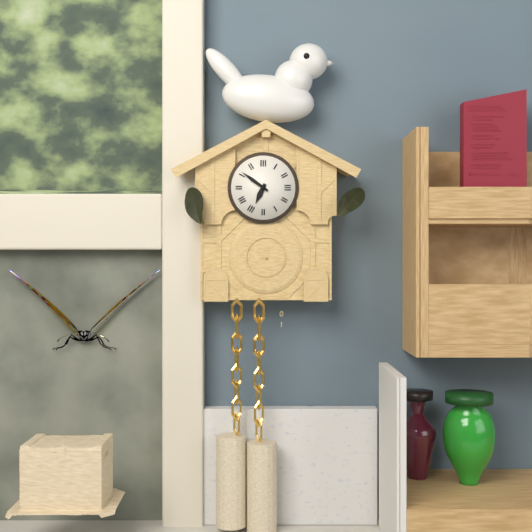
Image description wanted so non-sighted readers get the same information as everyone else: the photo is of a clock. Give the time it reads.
6:51
